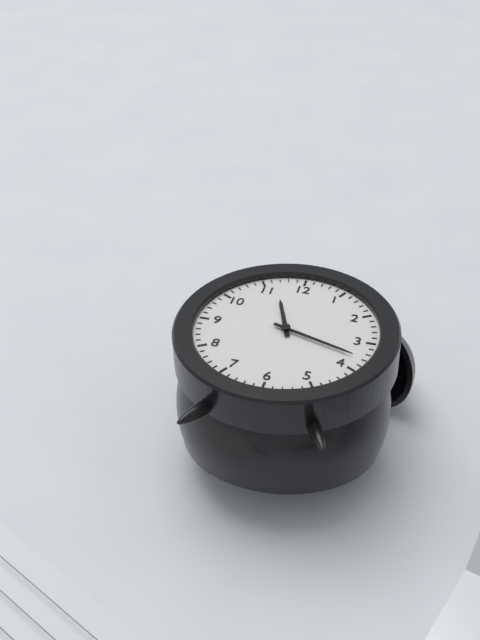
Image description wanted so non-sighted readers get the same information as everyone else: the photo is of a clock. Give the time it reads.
11:18
